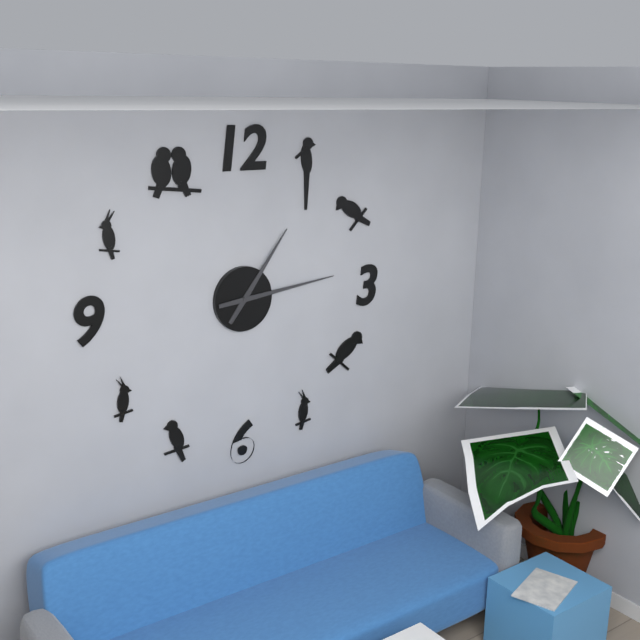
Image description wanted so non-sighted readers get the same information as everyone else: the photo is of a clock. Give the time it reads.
1:14
